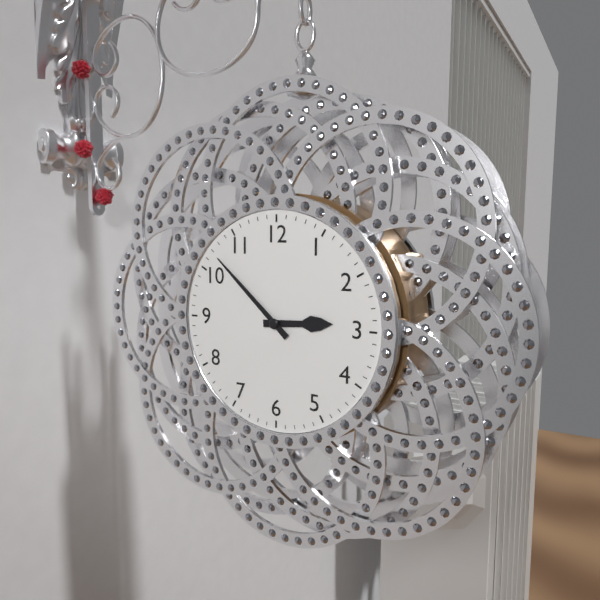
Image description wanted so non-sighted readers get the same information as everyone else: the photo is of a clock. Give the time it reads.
2:52
